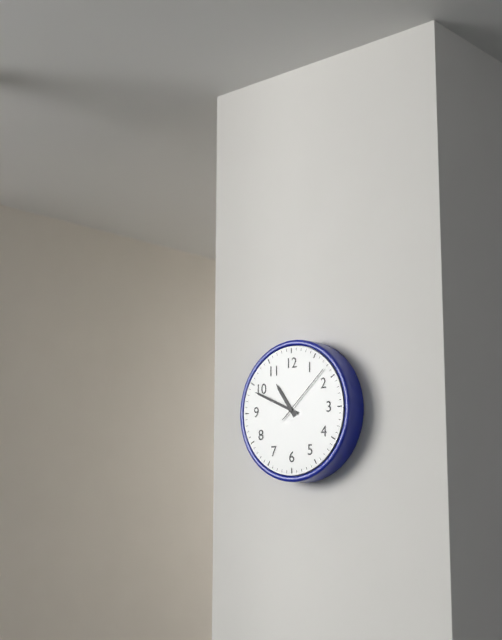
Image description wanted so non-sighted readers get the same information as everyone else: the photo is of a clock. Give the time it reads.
10:49:08
